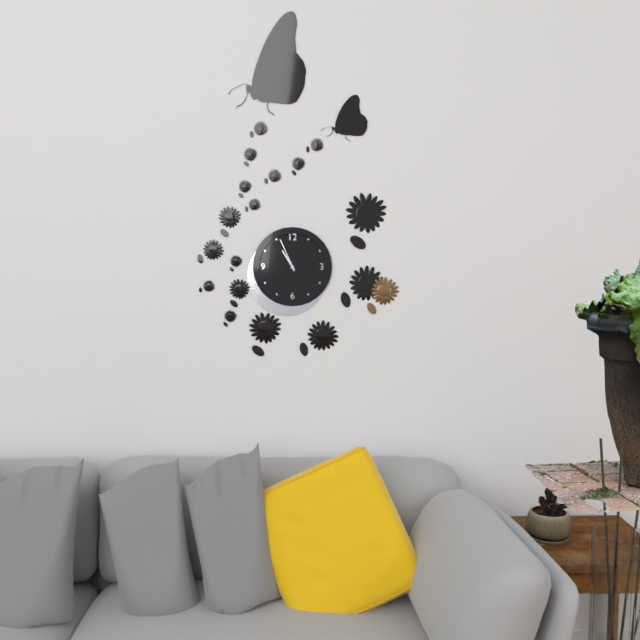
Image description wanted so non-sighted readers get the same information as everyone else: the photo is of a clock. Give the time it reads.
10:56
